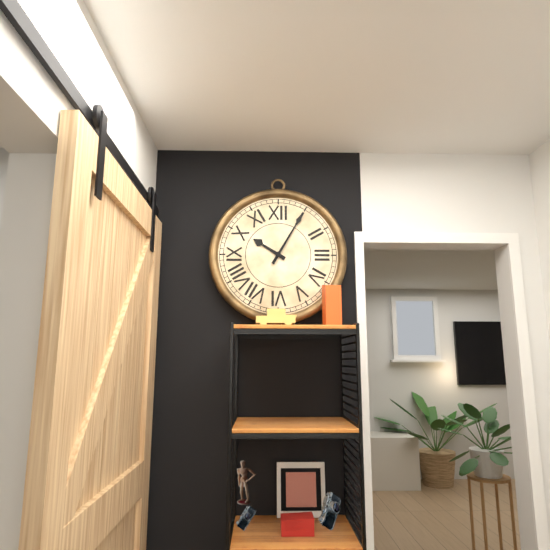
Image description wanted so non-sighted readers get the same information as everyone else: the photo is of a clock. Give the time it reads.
10:05
